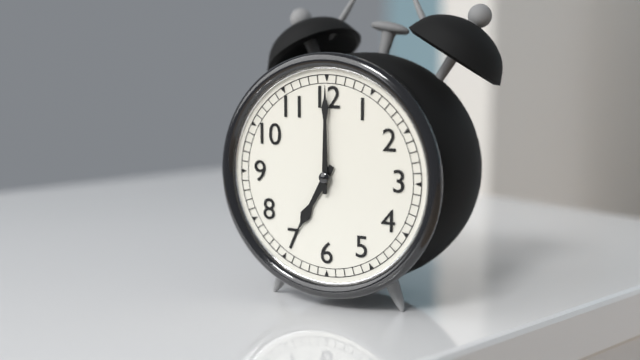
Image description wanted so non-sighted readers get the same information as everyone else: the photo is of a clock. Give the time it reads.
7:00
